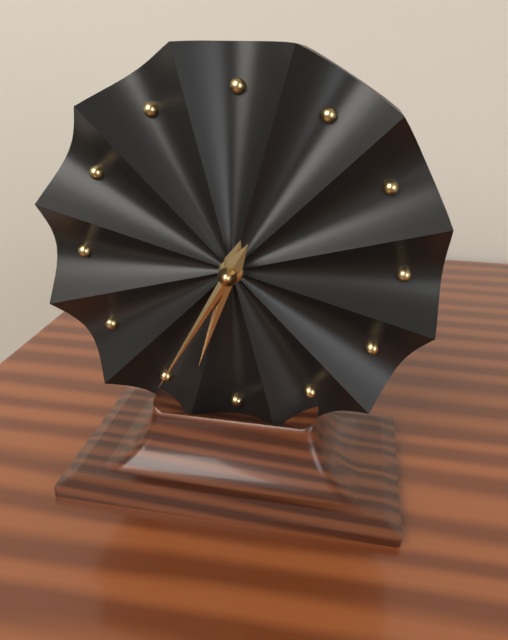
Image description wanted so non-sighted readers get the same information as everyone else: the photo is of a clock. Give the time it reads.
6:35
